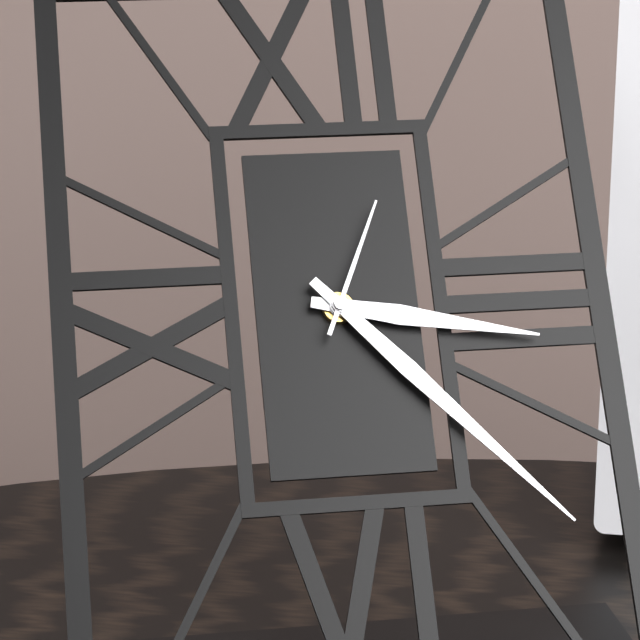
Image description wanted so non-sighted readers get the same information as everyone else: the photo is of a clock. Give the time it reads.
3:23:04
